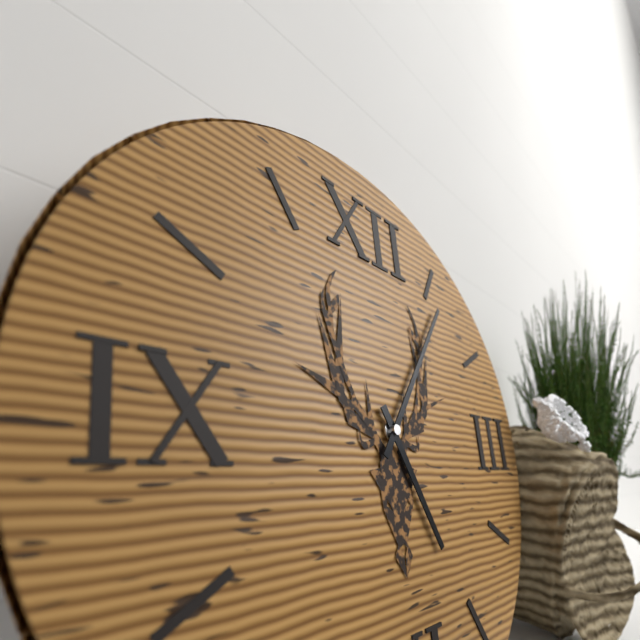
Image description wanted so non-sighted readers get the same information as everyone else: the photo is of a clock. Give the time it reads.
5:06
